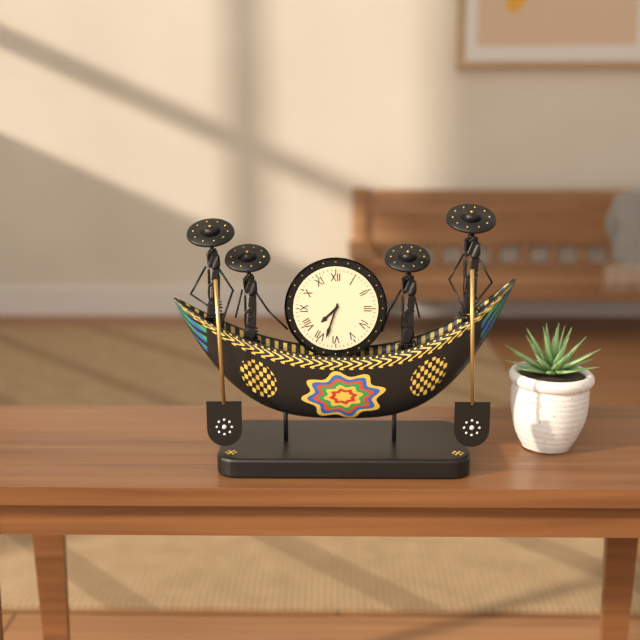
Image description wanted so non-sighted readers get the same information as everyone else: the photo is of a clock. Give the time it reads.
7:33
